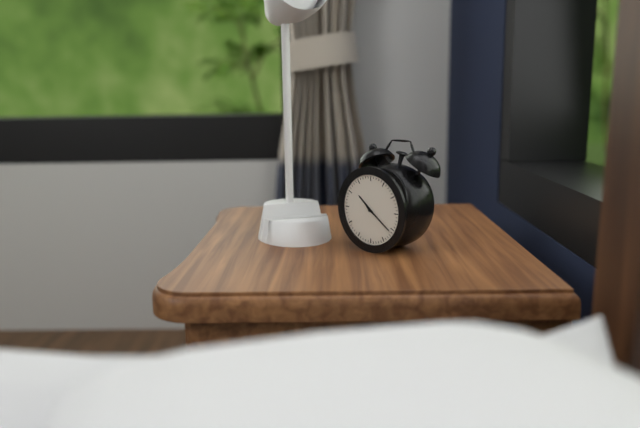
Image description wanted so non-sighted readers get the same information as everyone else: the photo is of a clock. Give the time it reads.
10:21
